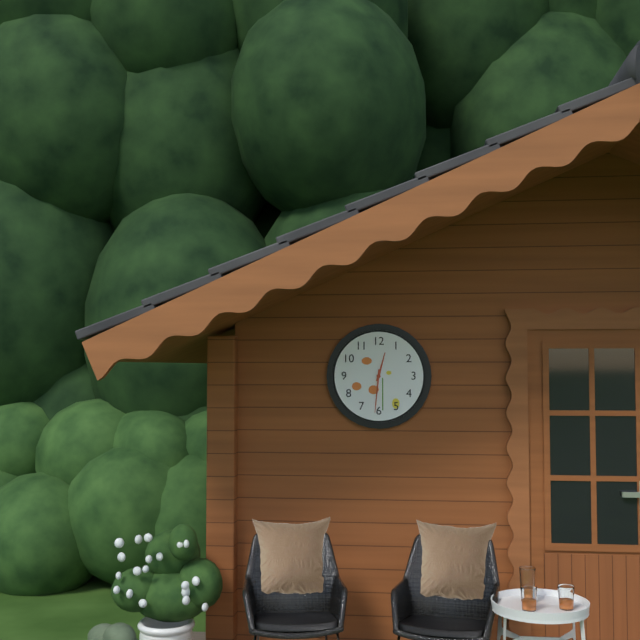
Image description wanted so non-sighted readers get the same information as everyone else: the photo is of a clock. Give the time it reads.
12:31
